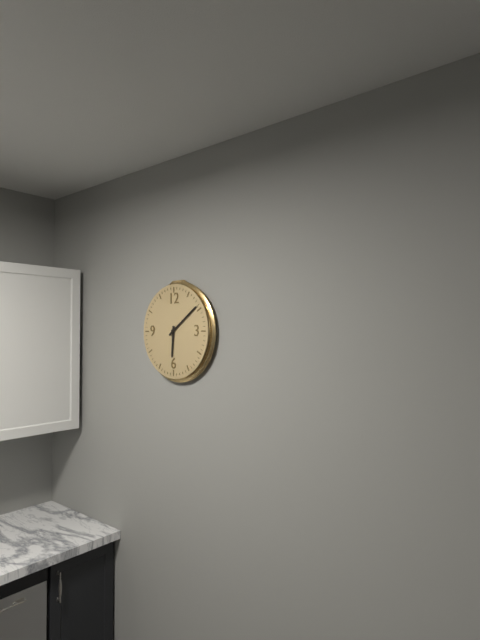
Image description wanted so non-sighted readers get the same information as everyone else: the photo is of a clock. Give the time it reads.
6:09
